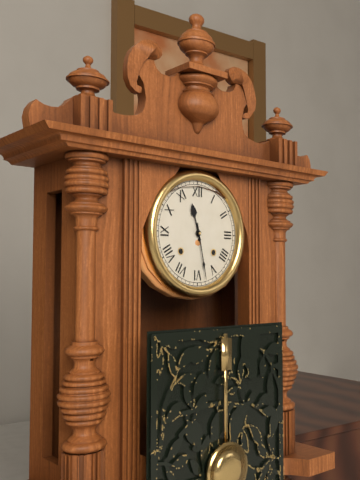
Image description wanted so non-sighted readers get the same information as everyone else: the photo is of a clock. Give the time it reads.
11:28
